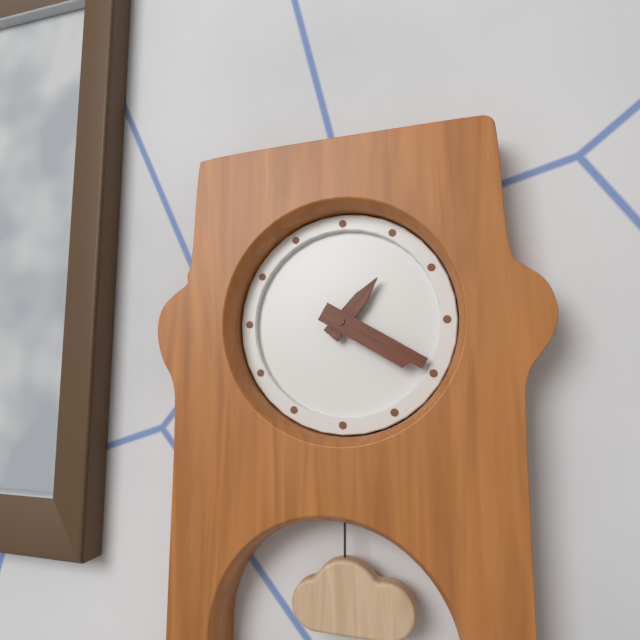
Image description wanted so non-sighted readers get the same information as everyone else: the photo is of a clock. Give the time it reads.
1:20
